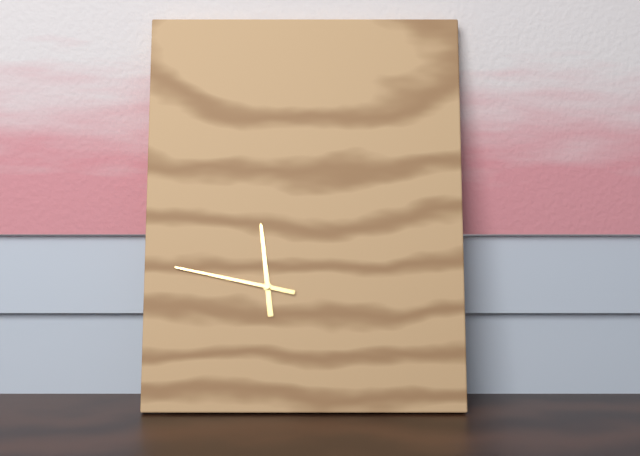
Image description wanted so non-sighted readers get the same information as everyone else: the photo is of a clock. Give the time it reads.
11:47
